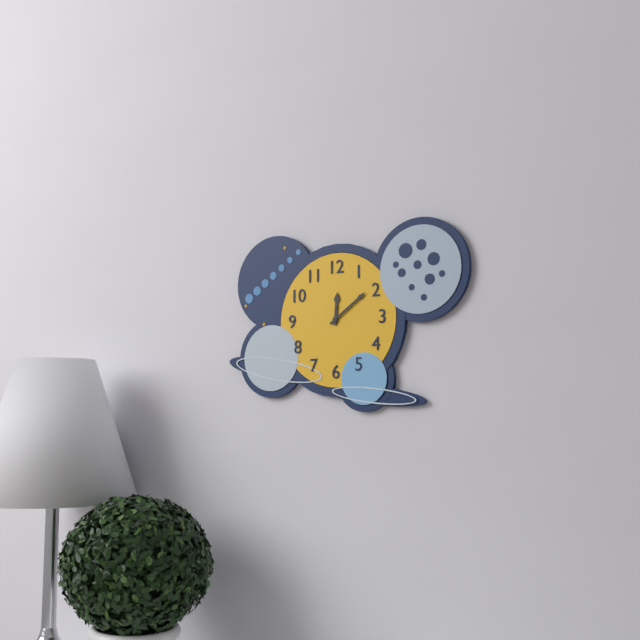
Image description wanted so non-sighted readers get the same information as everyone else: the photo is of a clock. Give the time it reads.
12:09
